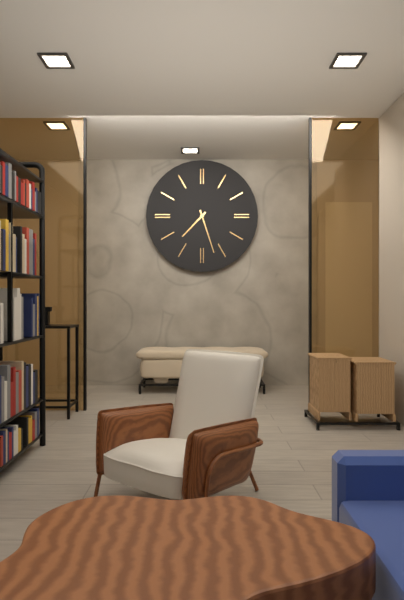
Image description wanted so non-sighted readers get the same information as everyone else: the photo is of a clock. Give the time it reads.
7:27
